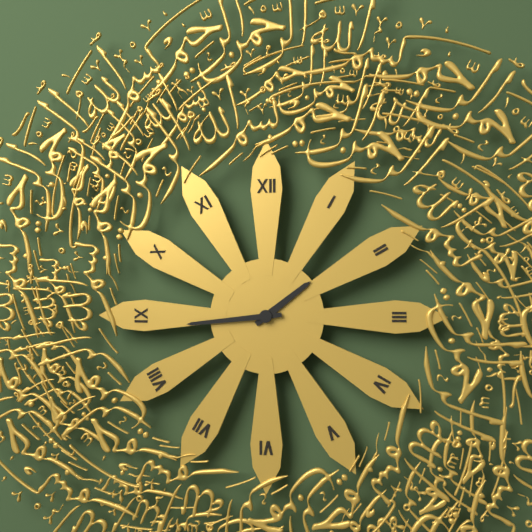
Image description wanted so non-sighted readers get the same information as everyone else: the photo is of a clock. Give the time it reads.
1:44
